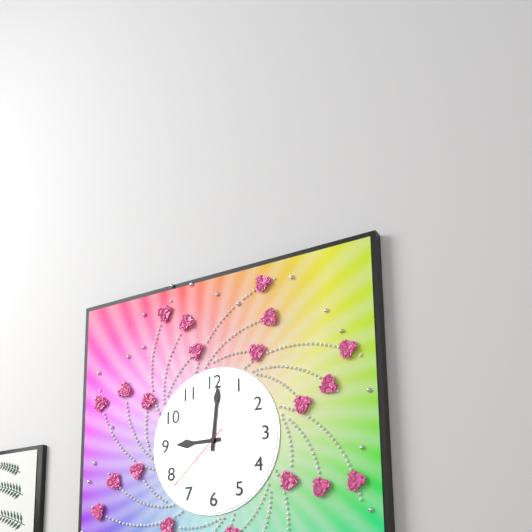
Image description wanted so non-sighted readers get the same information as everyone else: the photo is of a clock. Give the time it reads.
9:01:38
